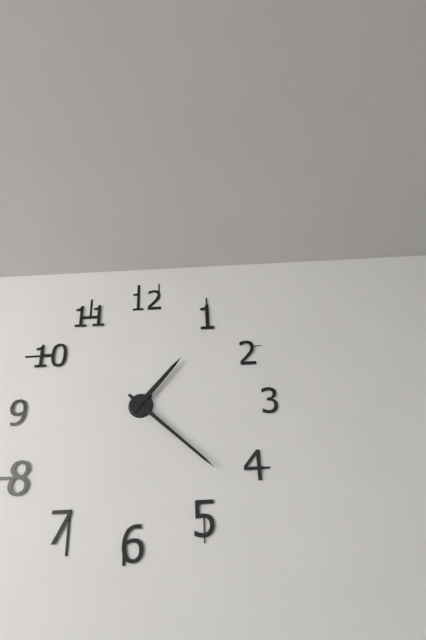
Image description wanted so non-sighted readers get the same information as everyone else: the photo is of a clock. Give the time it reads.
1:22
